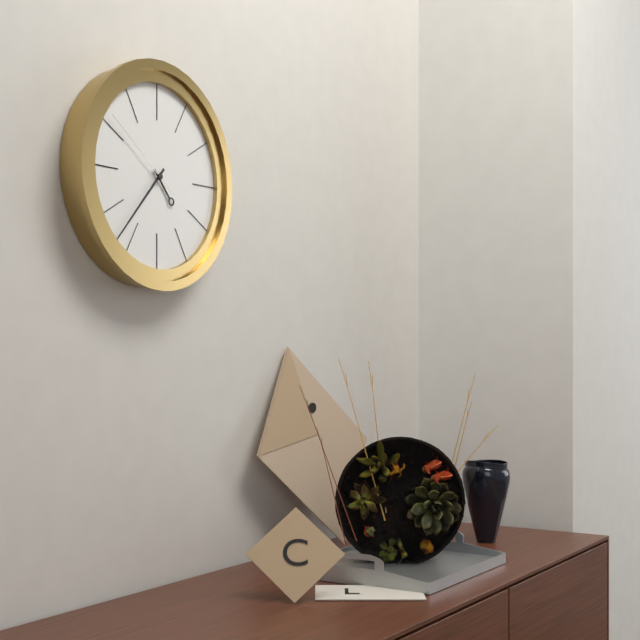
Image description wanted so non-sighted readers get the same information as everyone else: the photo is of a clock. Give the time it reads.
4:37:51
